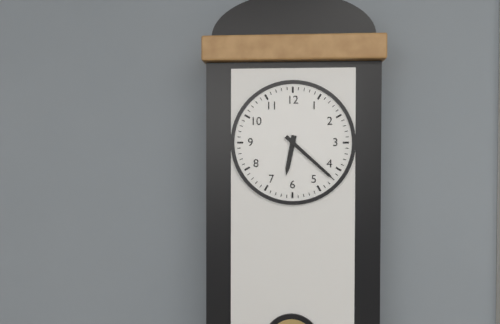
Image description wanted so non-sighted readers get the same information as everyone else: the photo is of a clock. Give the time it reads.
6:22
